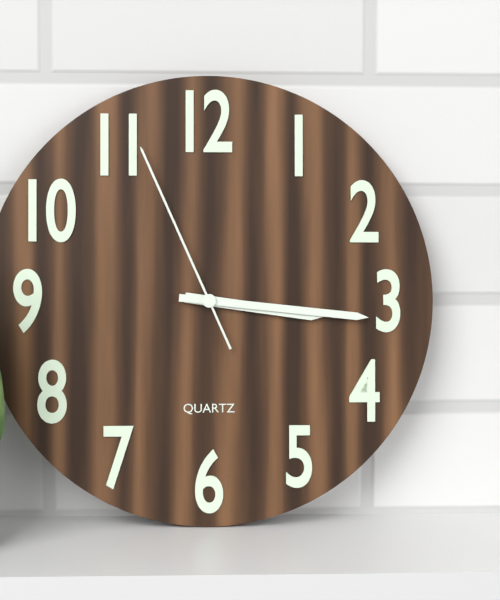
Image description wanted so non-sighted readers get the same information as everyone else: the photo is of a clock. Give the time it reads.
3:16:56
